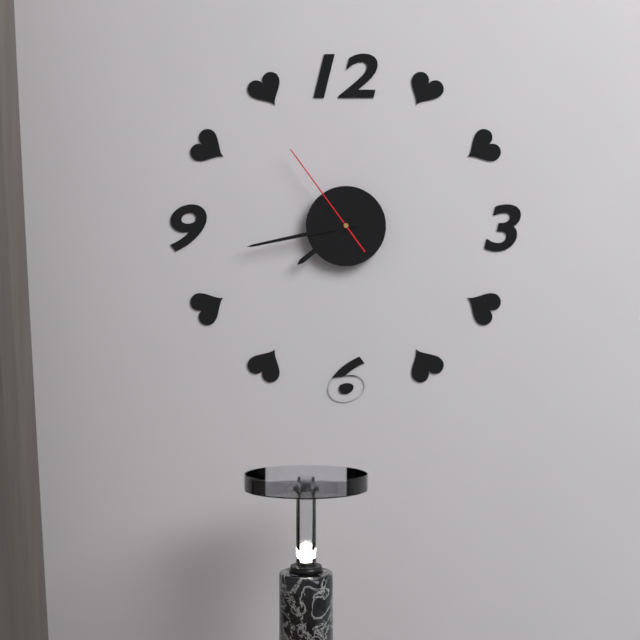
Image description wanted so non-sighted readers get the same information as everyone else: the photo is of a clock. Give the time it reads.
7:43:54
